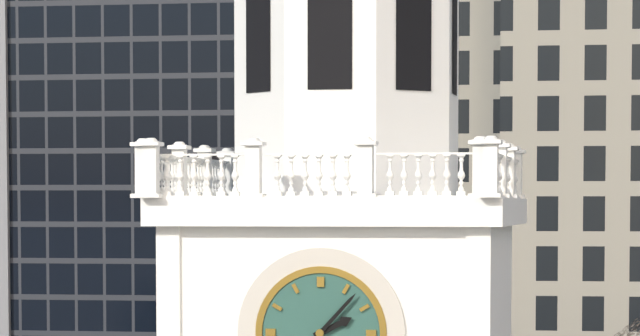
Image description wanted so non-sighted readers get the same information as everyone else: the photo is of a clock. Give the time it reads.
2:07
